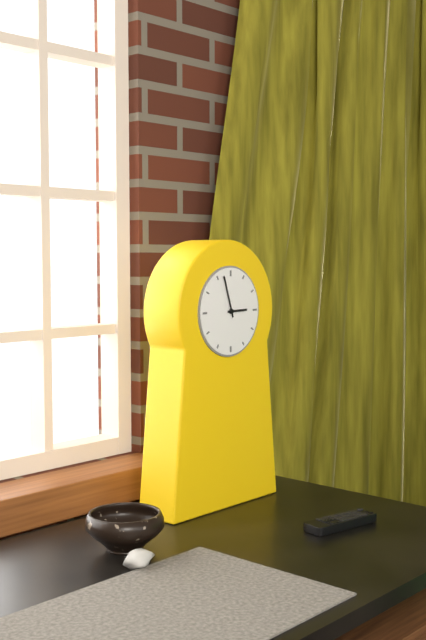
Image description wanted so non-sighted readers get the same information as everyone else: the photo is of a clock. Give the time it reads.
2:57
